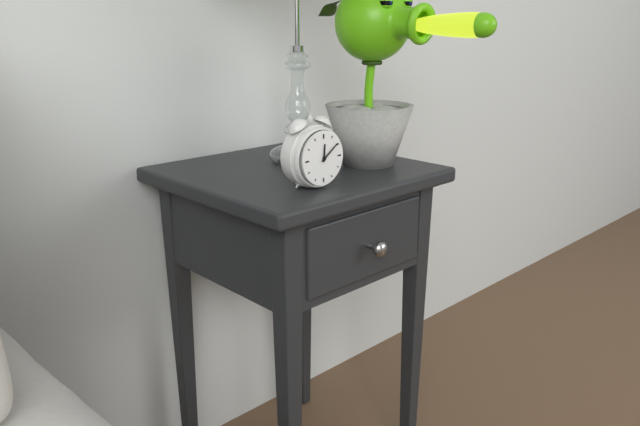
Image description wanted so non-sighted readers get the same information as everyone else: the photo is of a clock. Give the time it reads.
12:09
